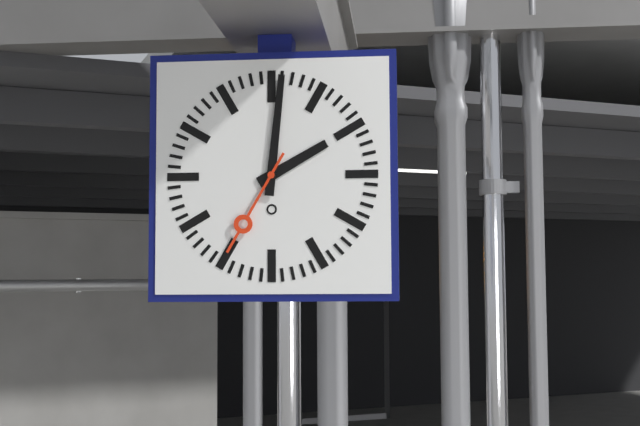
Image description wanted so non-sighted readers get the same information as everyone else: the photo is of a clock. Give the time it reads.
2:01:35
